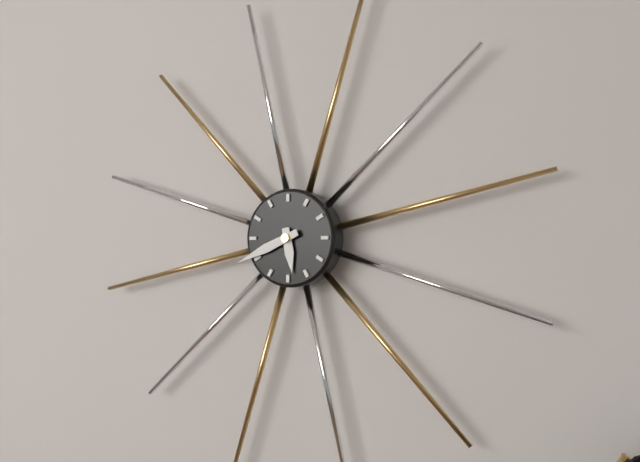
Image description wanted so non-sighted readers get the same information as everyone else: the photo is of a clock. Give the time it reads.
5:41
